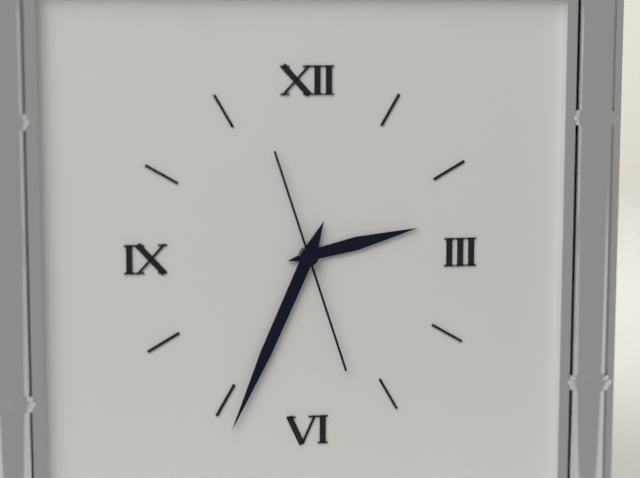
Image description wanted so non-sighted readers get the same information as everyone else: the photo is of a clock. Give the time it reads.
2:34:27
